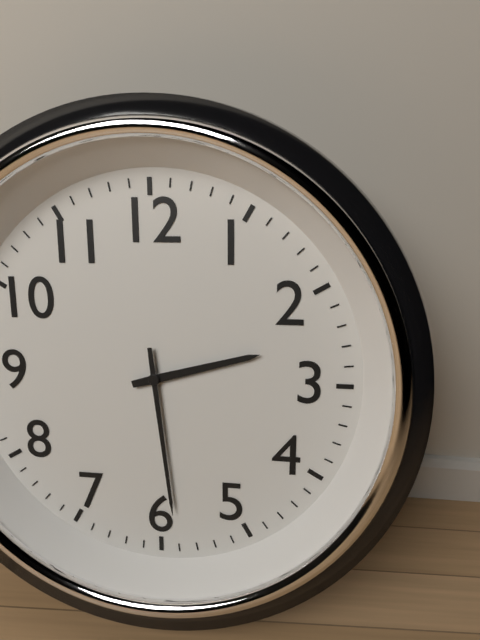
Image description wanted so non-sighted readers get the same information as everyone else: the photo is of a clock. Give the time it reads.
2:29
